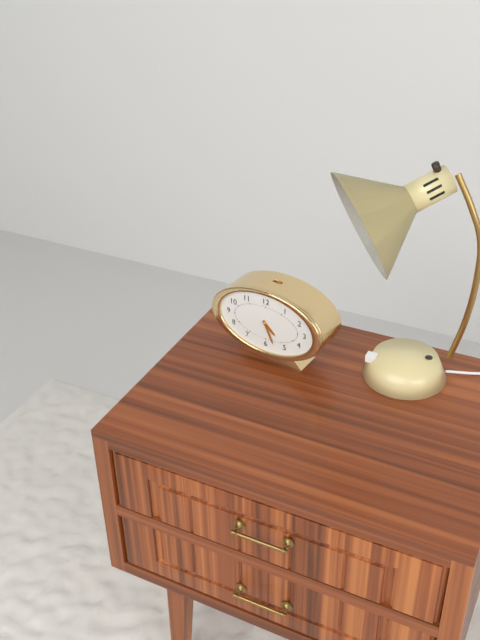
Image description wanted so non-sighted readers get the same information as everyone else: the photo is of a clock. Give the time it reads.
4:26
